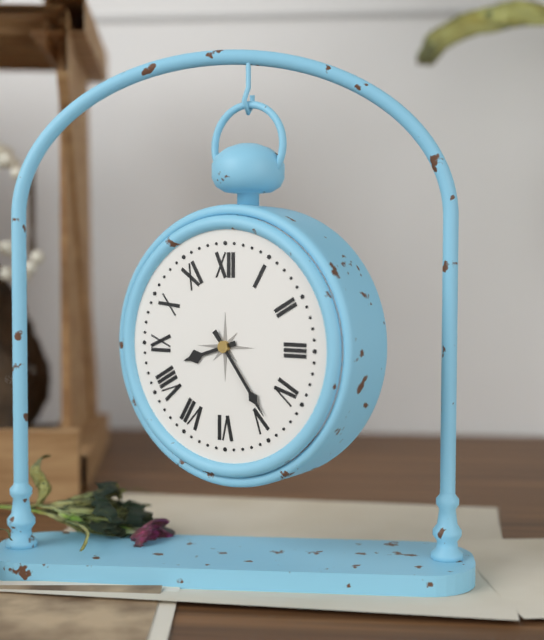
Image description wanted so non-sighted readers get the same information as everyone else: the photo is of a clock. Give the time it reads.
8:24
